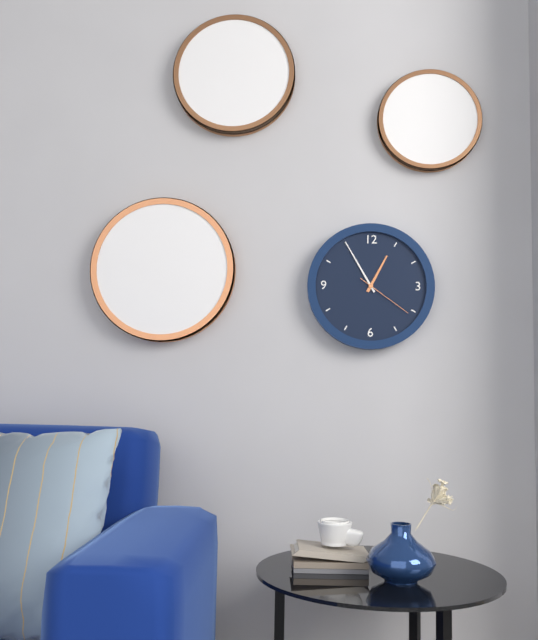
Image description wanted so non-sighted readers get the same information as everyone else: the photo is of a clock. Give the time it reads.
12:55:21
